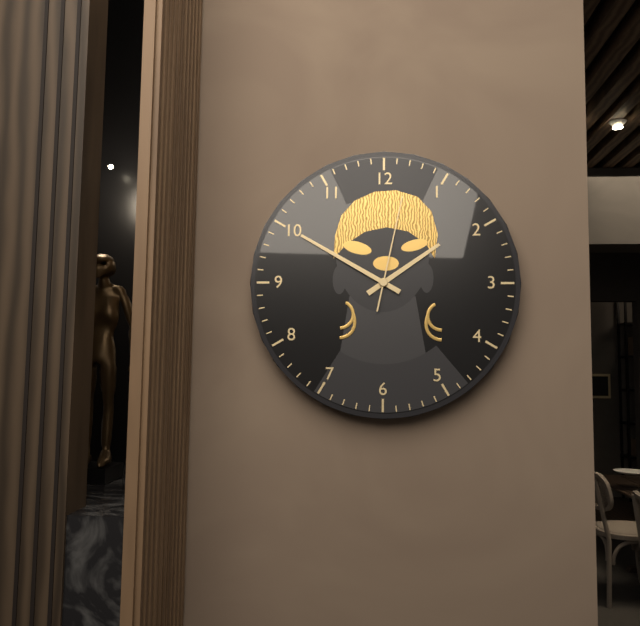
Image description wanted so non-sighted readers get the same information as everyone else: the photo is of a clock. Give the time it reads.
1:50:02
